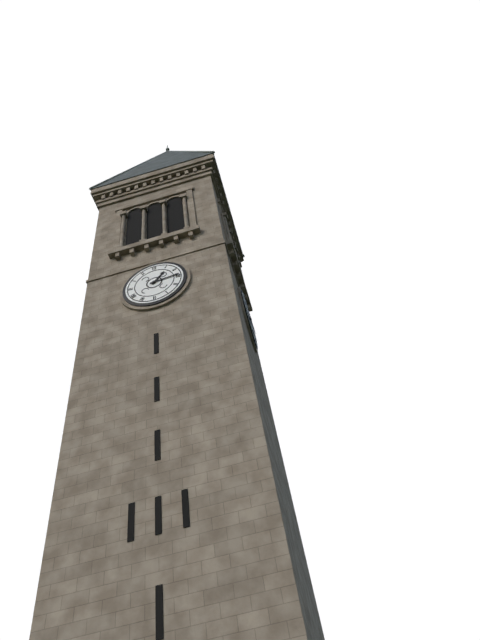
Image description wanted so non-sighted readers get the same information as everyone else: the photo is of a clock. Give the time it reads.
1:14
